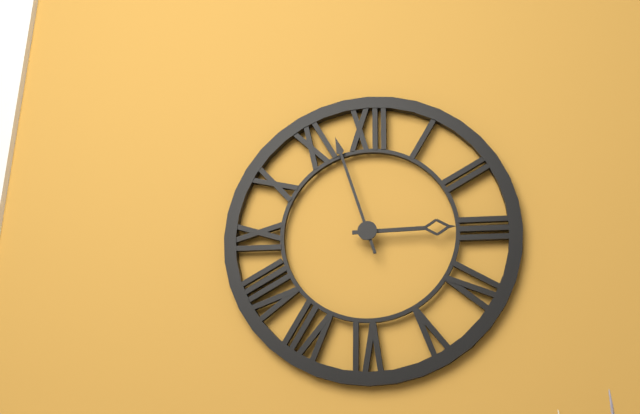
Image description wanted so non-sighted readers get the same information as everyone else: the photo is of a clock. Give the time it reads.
2:57
